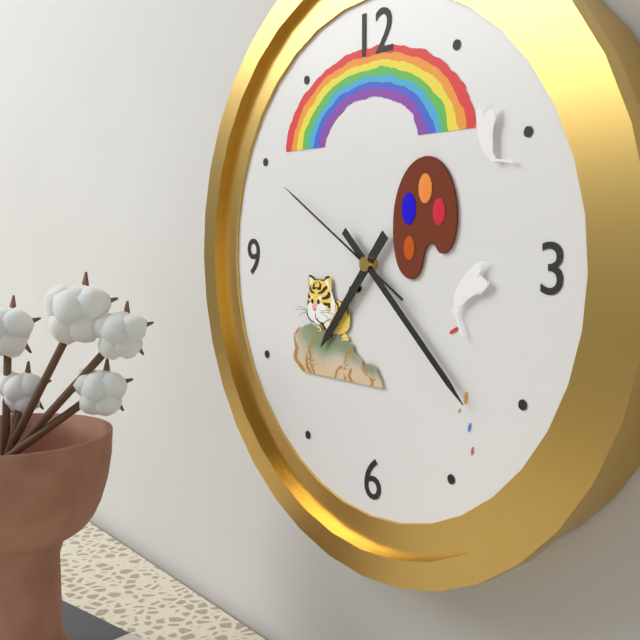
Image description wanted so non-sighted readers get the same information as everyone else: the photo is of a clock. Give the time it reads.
7:22:50
